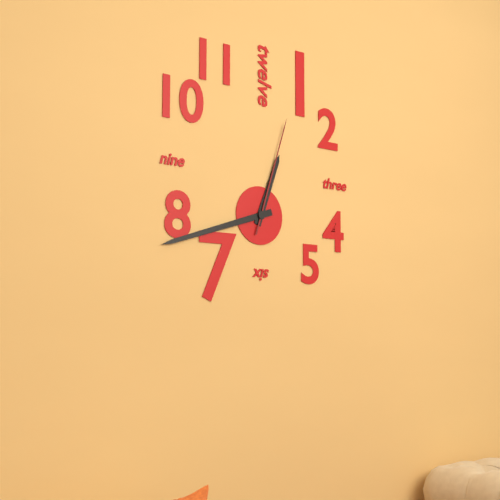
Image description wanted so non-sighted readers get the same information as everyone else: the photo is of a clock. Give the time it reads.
12:42:03
